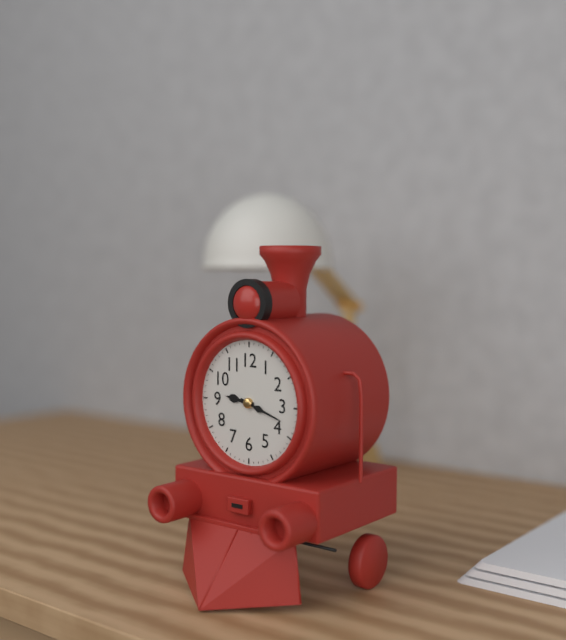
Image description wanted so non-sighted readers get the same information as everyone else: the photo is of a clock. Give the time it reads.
9:18
